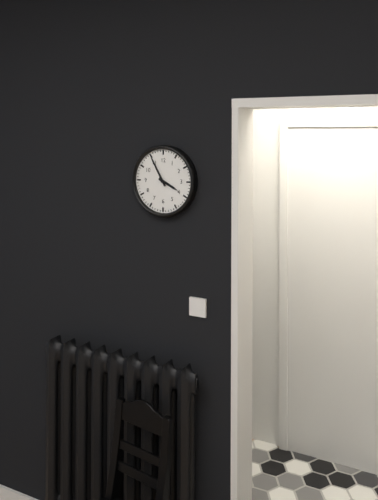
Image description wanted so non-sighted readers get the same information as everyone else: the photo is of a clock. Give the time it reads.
3:55
